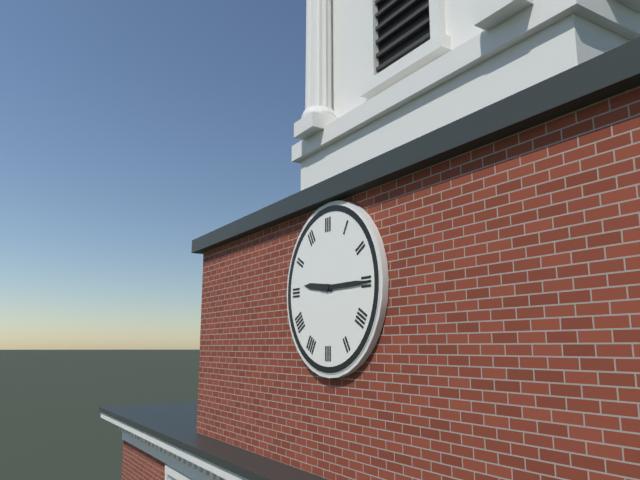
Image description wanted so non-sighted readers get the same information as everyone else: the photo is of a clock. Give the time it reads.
9:15
